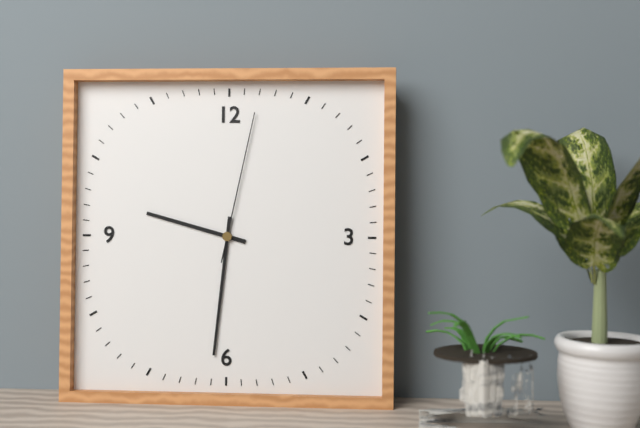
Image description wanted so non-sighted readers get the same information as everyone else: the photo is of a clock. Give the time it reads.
9:31:02
